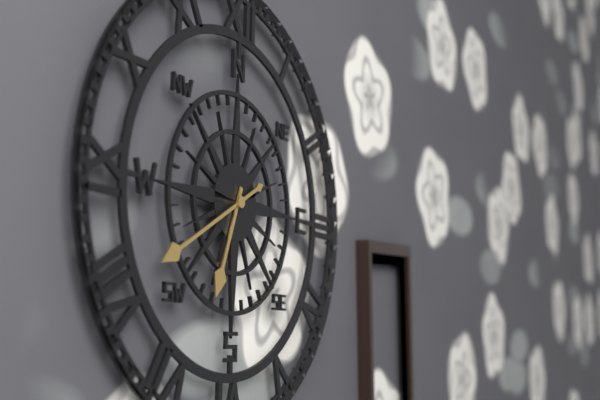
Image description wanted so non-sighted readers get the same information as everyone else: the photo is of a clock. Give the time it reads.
6:40
